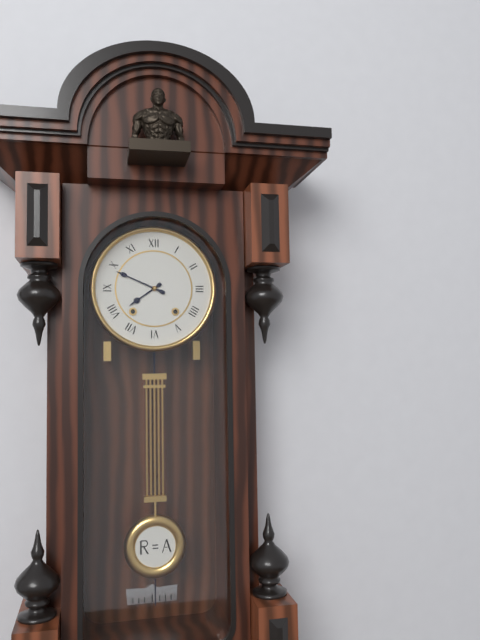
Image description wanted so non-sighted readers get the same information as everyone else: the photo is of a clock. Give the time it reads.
7:49
